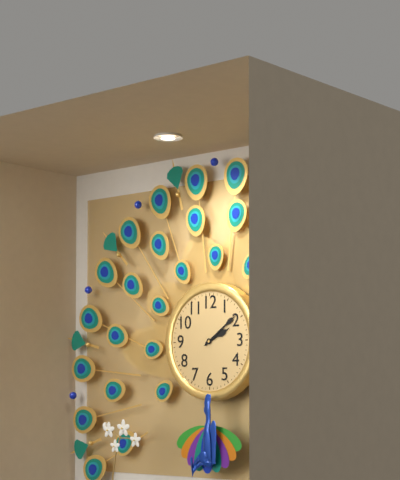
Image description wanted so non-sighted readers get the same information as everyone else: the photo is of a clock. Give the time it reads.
2:09
